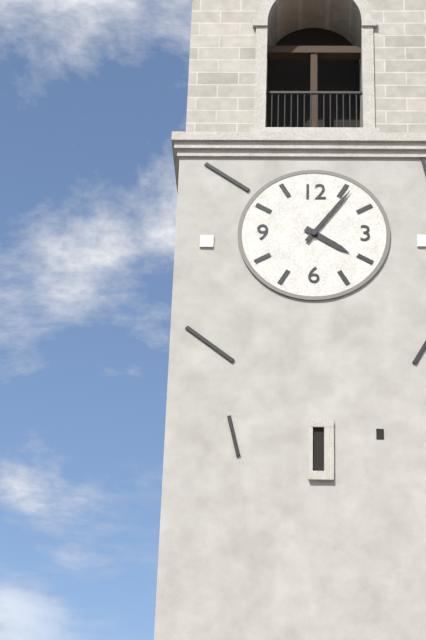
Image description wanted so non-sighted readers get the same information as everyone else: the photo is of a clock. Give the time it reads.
4:06
